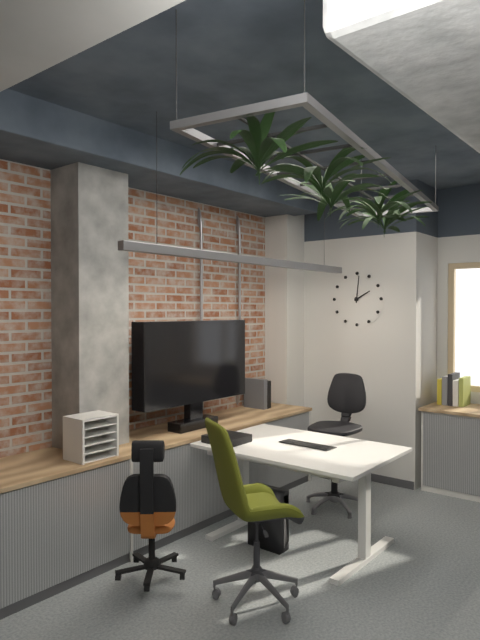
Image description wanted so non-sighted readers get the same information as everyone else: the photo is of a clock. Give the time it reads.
2:01
